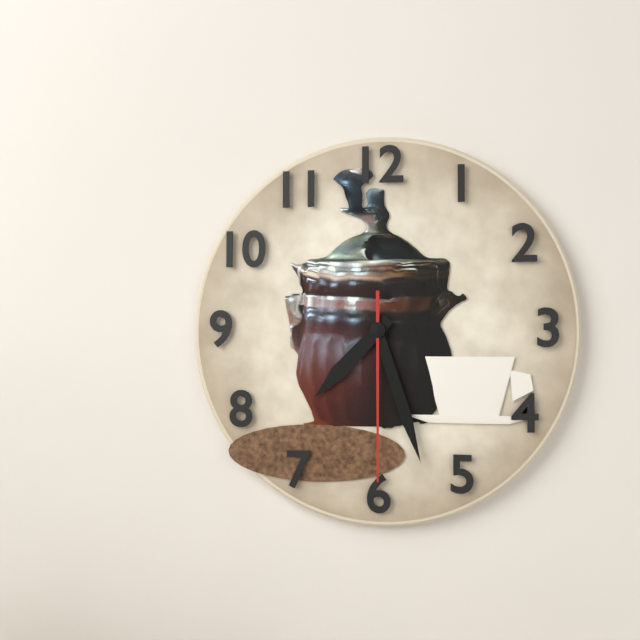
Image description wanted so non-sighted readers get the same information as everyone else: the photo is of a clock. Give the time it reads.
7:27:30
